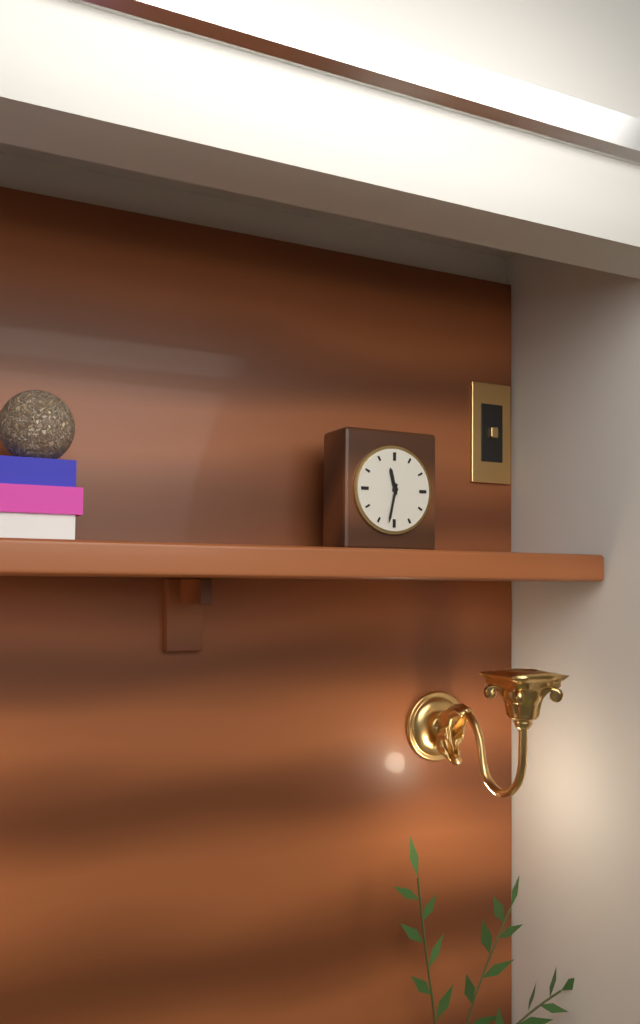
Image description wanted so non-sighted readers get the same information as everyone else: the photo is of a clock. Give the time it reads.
11:32
